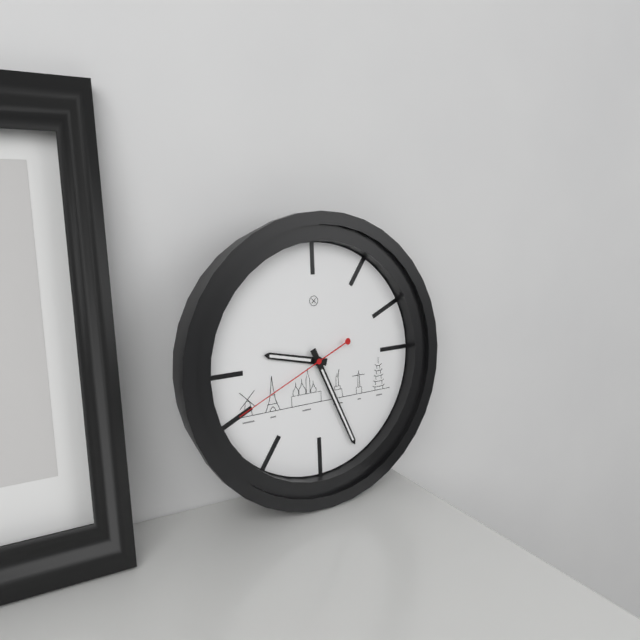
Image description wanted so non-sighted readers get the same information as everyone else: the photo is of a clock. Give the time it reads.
9:26:41
